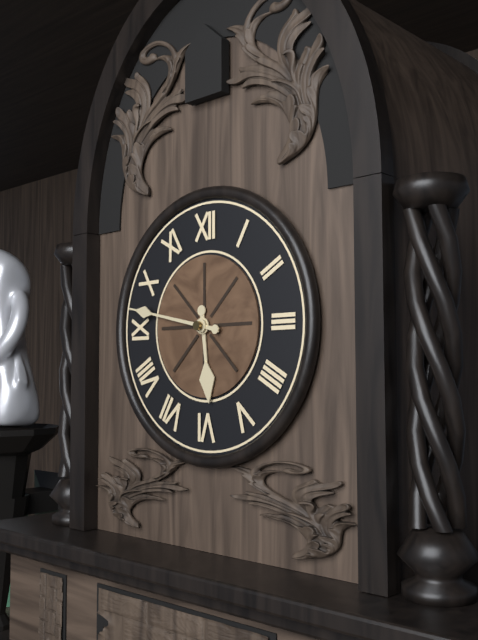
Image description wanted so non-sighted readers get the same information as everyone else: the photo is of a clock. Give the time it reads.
5:47
